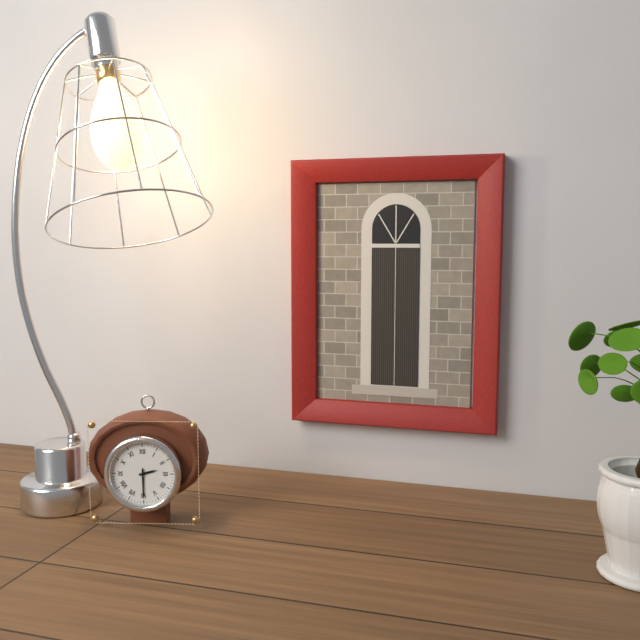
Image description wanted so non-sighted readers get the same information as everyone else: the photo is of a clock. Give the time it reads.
2:30
